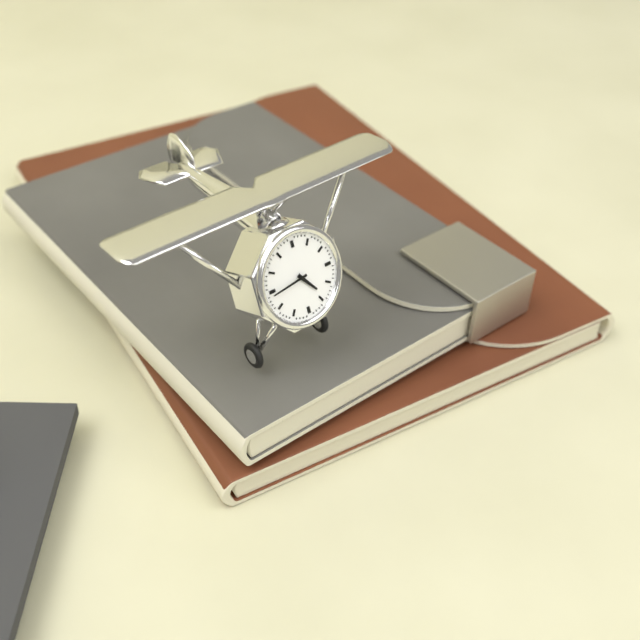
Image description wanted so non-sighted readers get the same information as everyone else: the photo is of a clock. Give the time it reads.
4:44
